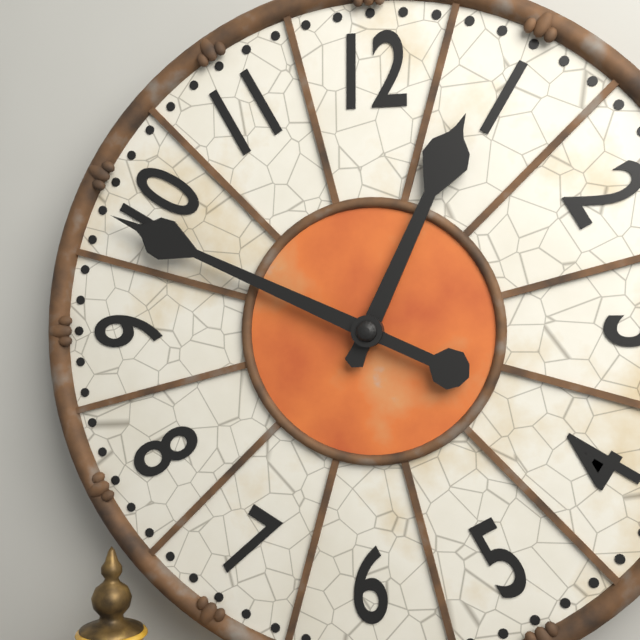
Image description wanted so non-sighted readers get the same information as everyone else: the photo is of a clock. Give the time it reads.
12:49
